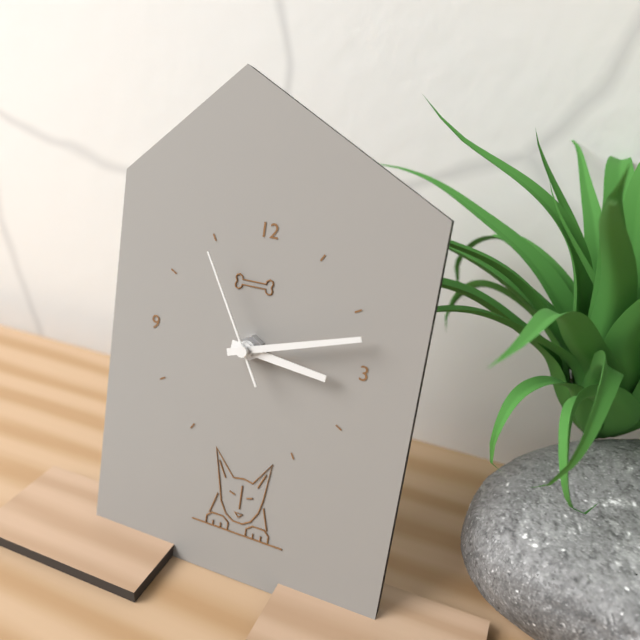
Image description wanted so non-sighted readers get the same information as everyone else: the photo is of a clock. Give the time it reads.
3:12:55
